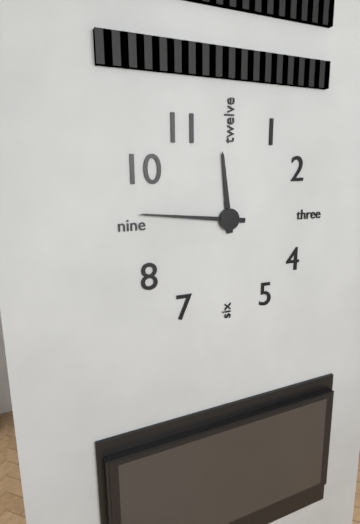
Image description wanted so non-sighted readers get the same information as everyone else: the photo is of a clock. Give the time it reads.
11:46
